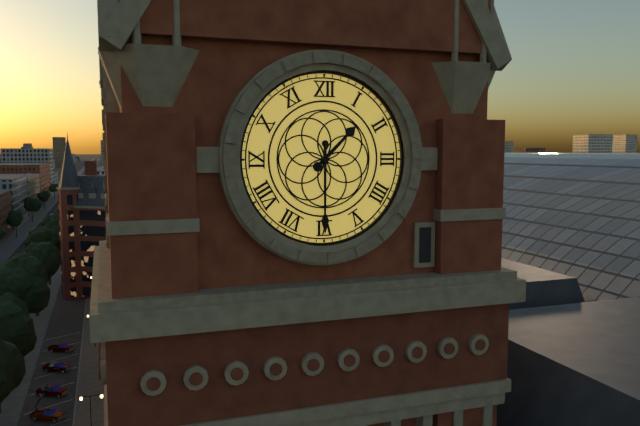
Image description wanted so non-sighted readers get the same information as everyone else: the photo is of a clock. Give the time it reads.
1:30
